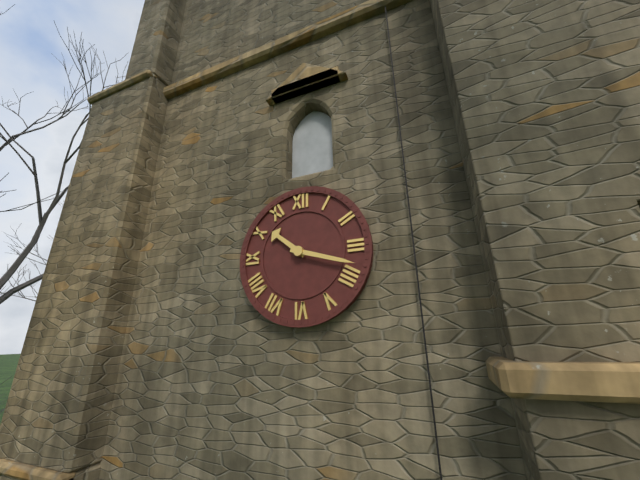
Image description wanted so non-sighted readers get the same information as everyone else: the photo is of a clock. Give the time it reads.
10:18
